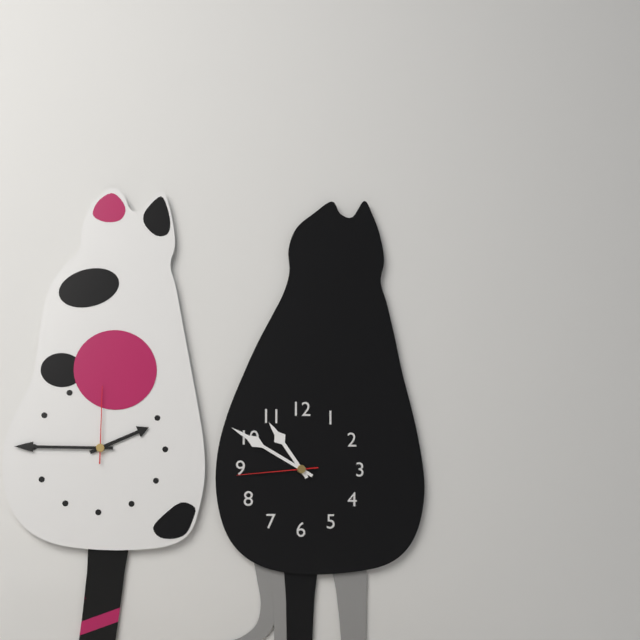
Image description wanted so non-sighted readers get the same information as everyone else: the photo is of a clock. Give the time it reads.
10:50:44
